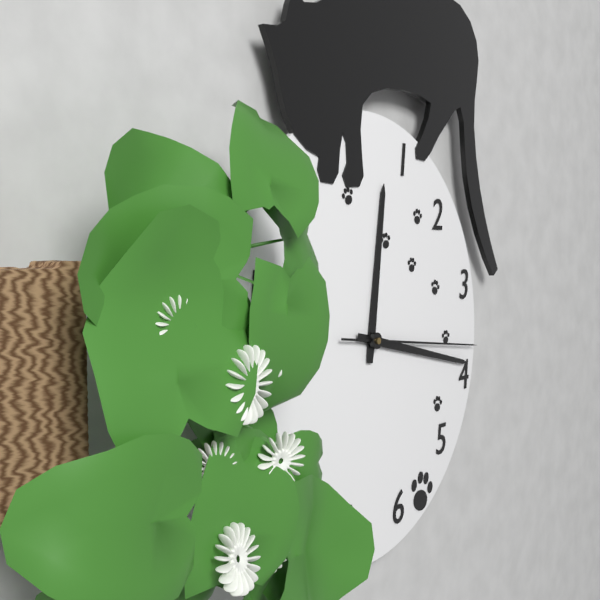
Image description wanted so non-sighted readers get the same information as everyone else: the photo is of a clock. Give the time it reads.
12:17:16
